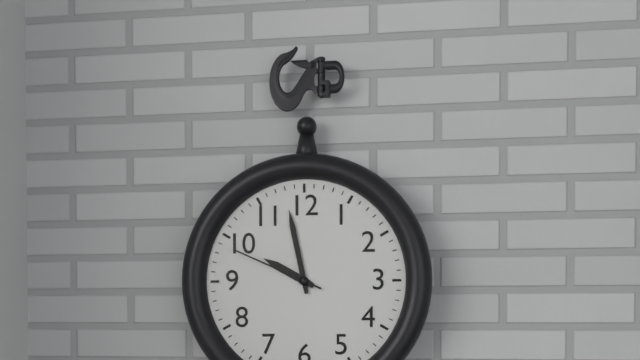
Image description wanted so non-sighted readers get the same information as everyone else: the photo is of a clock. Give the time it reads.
9:58:49
